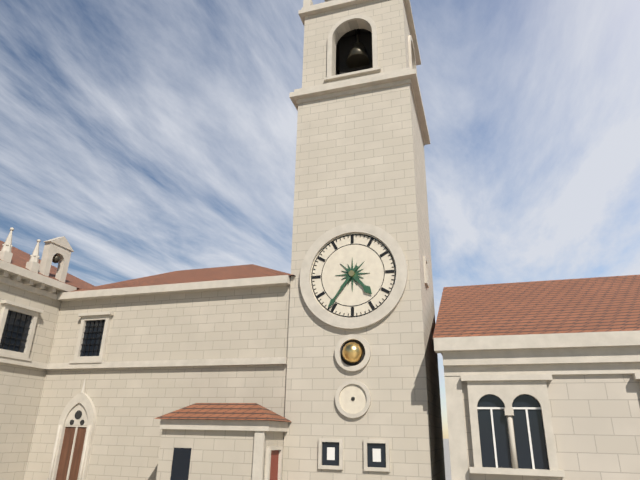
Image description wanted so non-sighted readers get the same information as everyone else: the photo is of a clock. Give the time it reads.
4:36
